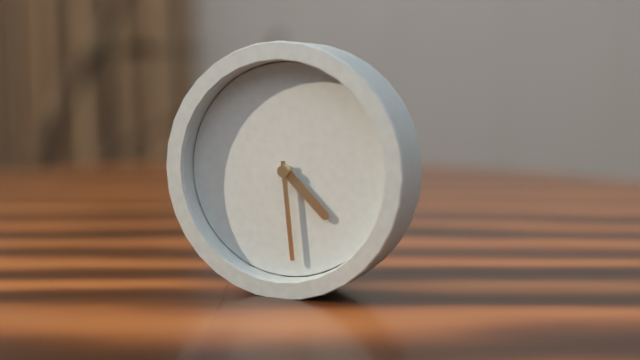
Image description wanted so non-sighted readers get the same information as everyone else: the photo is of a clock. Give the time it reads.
4:29
